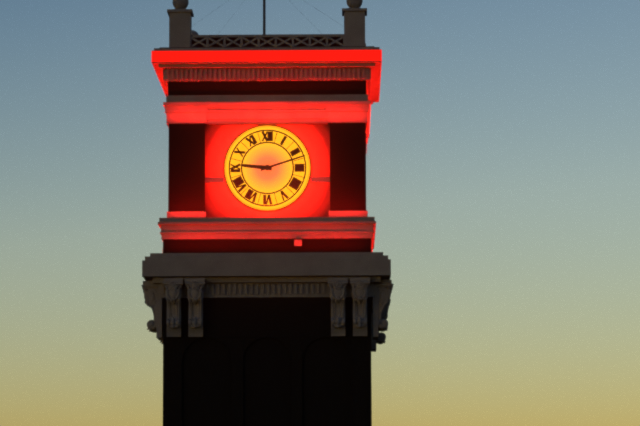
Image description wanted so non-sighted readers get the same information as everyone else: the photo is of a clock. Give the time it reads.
9:12
